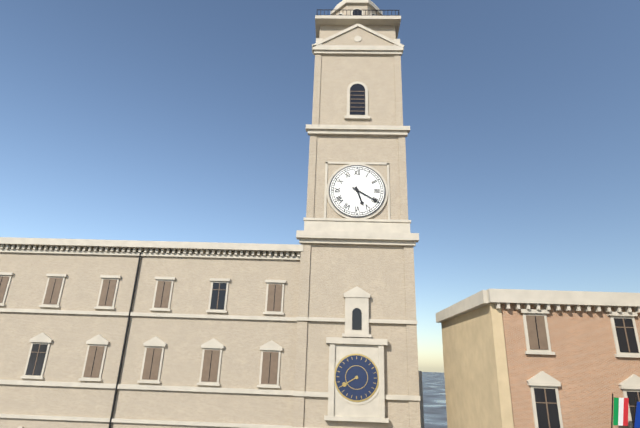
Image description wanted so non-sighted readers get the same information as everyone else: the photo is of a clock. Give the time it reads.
5:20
